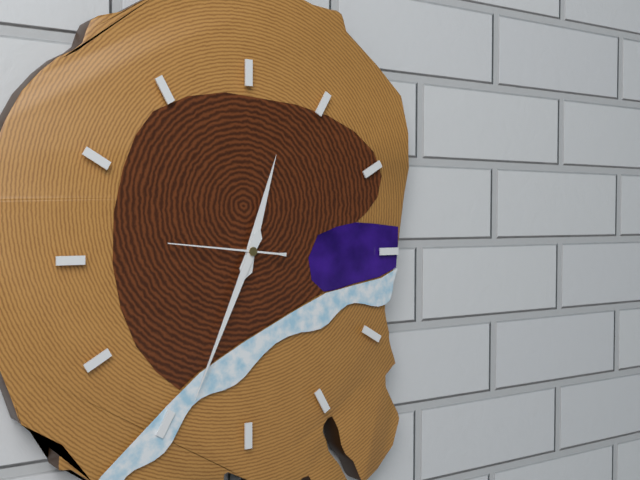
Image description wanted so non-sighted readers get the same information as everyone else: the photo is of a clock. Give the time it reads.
12:34:46
